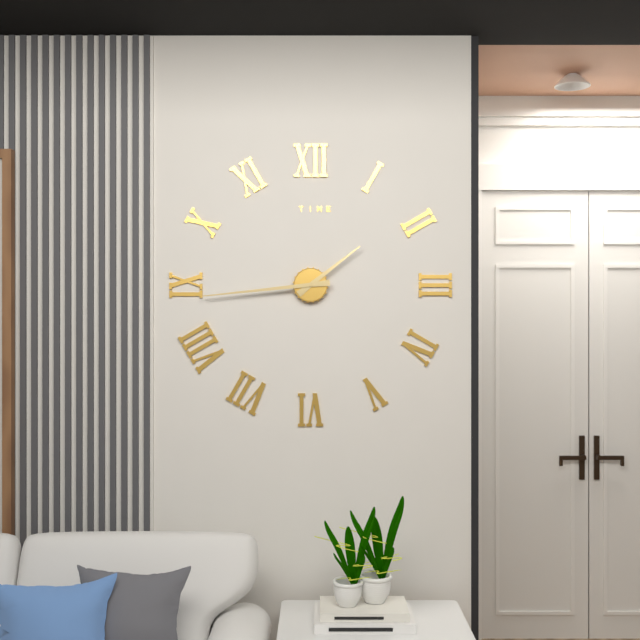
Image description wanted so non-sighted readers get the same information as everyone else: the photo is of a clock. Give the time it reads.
1:44
